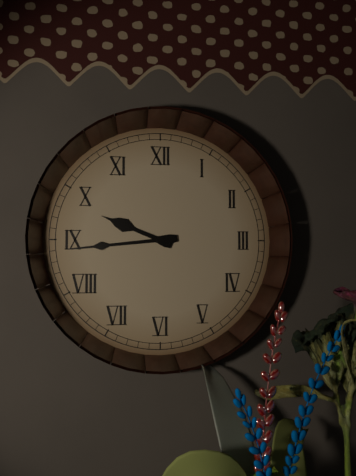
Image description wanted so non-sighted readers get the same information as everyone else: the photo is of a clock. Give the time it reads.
9:44
